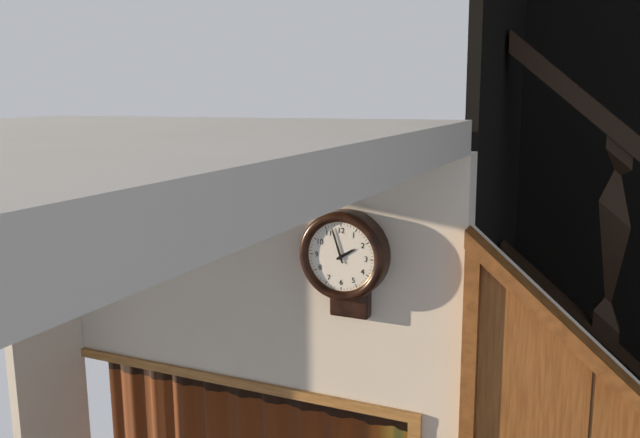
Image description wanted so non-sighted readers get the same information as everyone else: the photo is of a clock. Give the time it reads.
1:57
